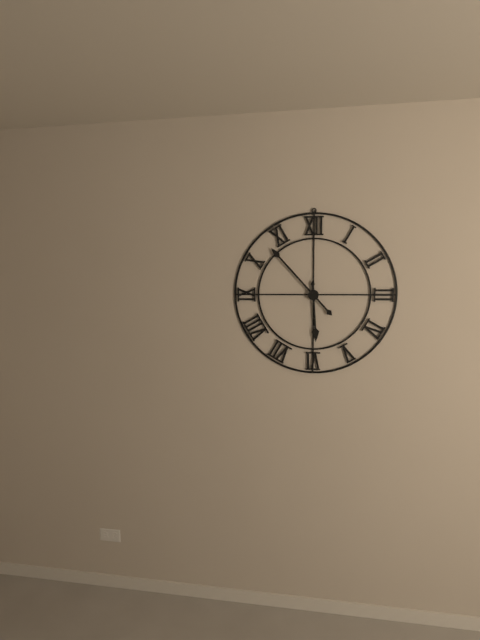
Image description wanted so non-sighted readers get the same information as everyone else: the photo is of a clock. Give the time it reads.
5:53
